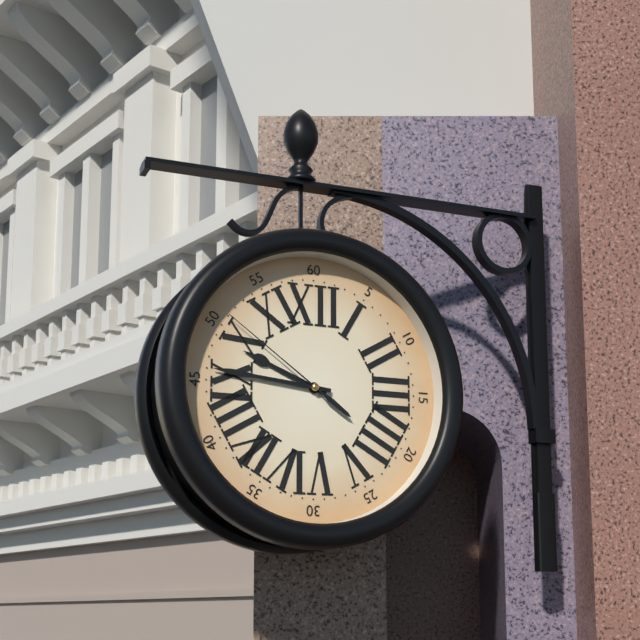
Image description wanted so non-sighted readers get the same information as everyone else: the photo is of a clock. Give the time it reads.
9:46:51
